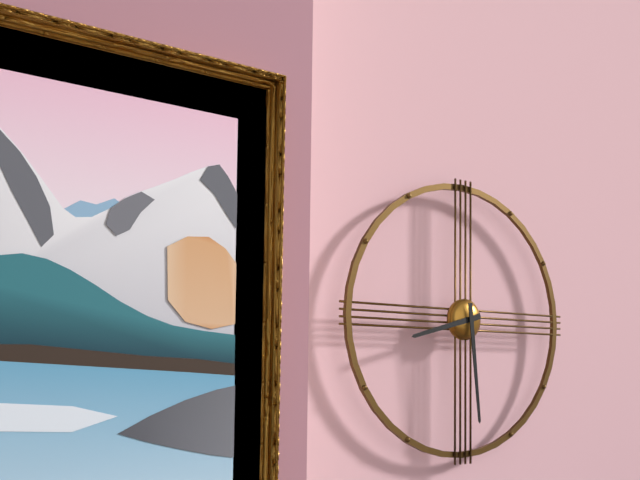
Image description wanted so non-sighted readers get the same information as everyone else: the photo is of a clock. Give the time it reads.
8:29
